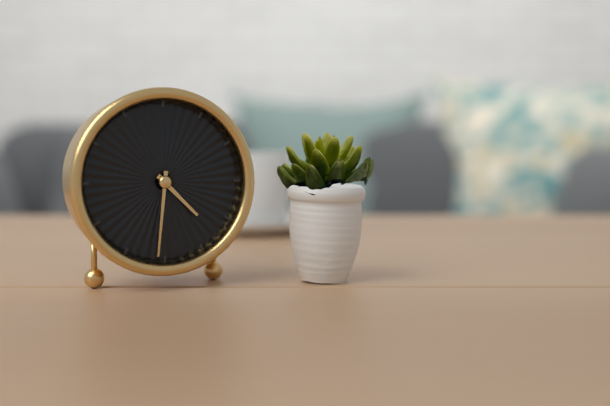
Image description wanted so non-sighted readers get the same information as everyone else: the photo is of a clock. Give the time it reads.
4:31
